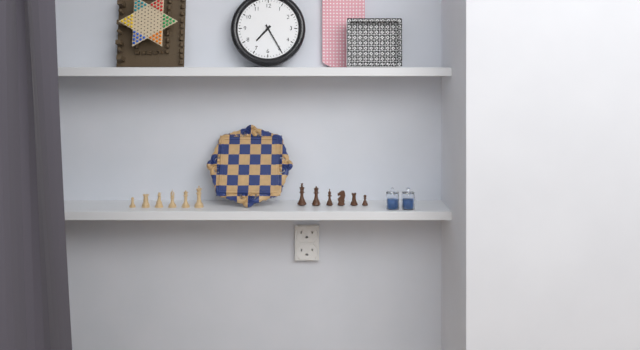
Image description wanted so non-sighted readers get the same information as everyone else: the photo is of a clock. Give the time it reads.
7:25
